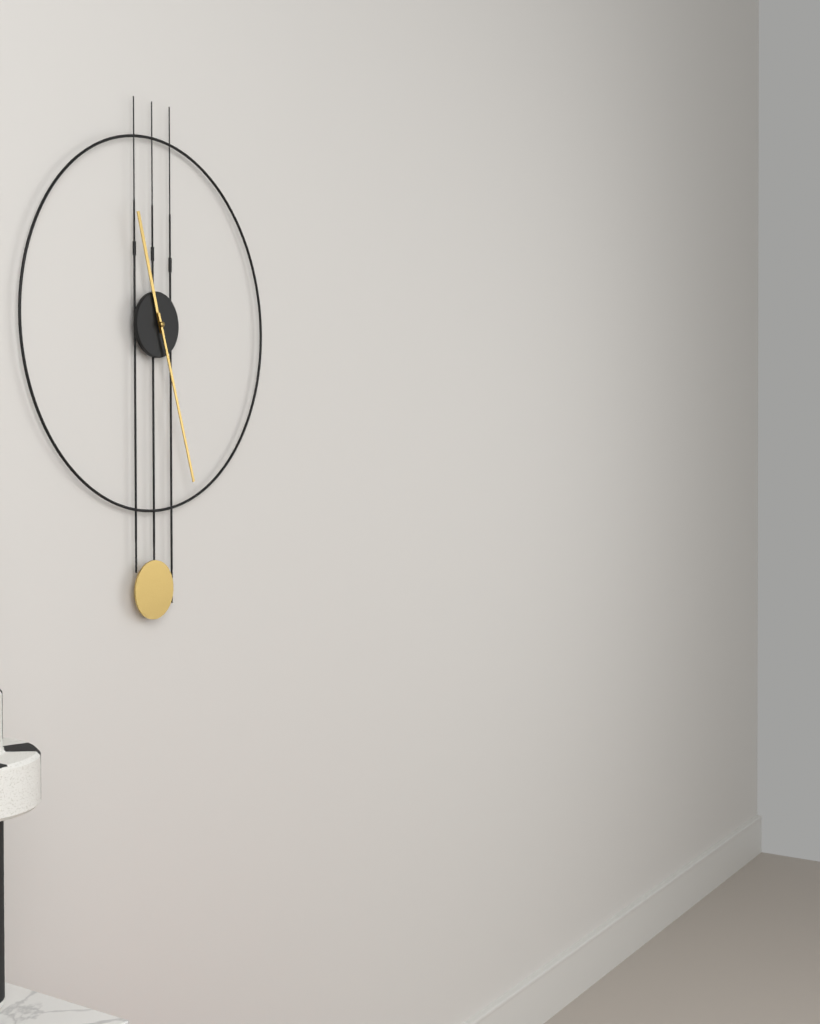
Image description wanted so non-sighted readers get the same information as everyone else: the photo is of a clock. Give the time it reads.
11:27
